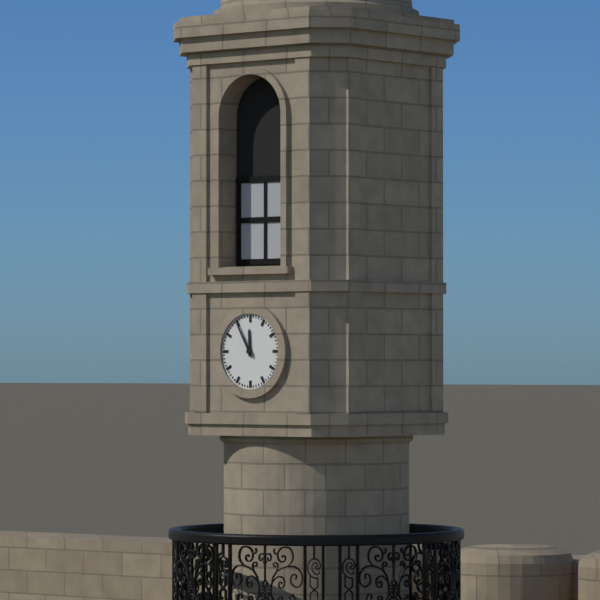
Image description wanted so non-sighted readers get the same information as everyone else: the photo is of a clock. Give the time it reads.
11:55
